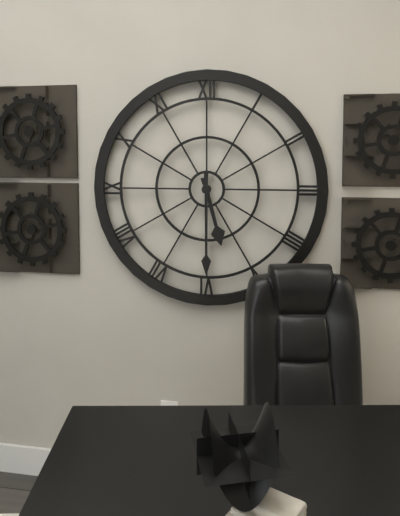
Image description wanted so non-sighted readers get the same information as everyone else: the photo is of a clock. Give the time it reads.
5:30
